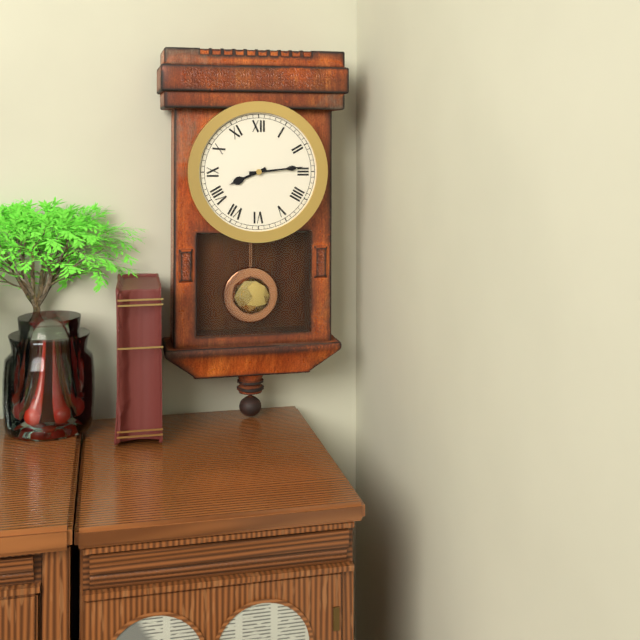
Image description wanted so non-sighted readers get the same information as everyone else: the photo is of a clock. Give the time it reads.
8:14
